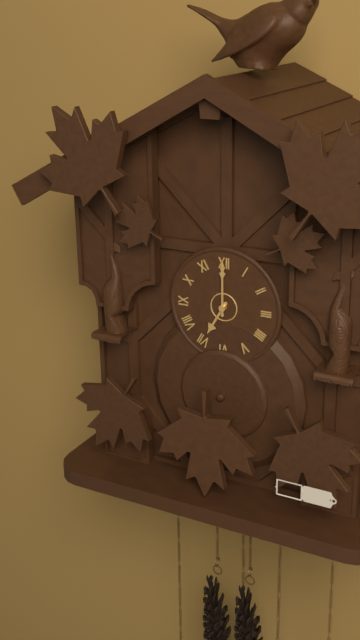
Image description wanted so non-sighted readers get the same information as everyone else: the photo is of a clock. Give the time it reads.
7:00
